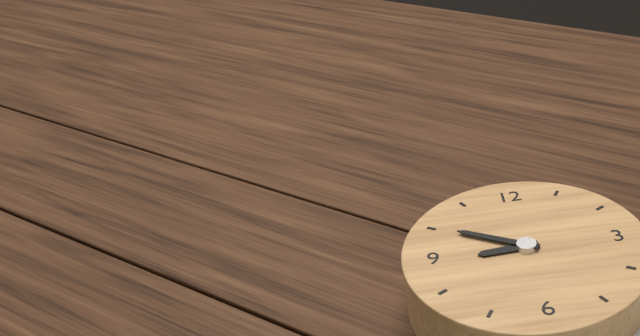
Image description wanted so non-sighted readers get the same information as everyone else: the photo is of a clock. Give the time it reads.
8:50
